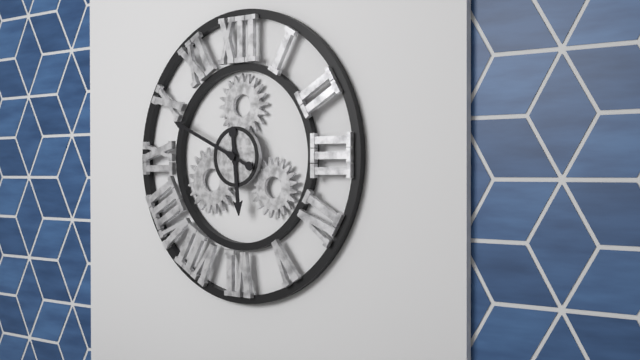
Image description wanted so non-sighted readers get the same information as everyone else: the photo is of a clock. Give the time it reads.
5:49
